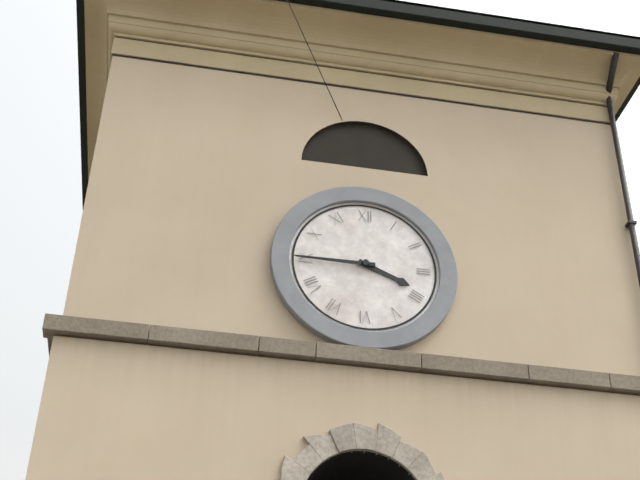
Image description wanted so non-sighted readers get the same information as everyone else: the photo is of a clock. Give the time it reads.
3:45
